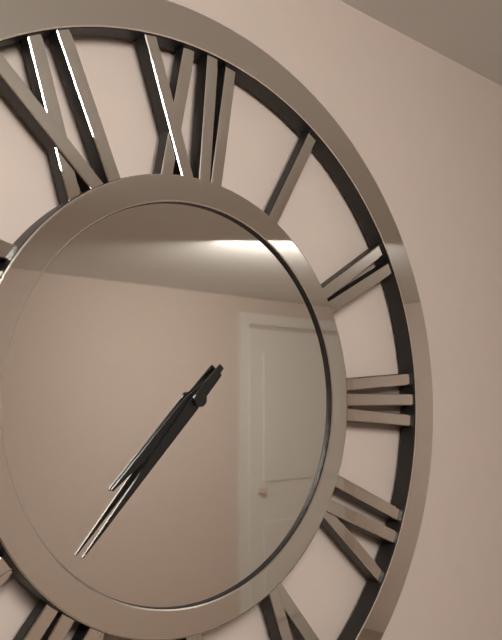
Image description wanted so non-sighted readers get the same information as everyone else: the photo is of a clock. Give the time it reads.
7:37
